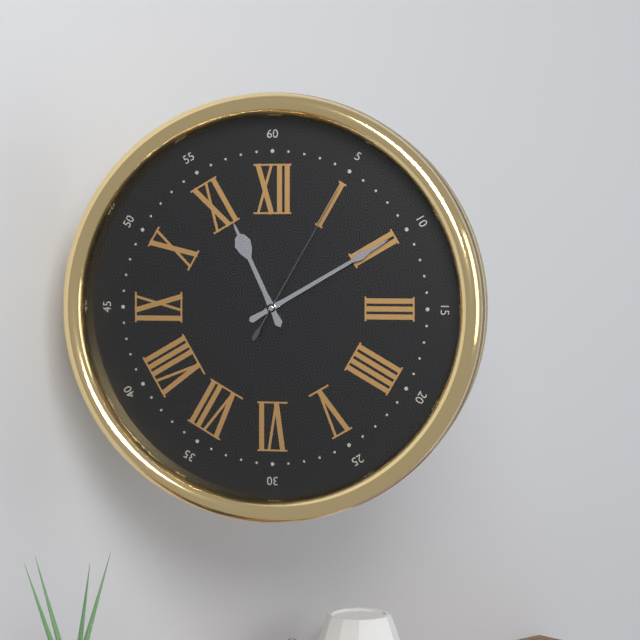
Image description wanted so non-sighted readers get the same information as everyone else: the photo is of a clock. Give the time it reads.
11:10:05
